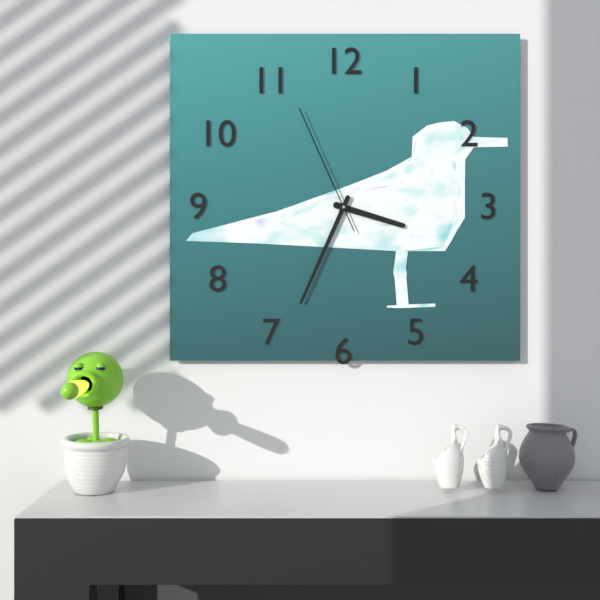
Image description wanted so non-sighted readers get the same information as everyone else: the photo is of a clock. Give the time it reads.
3:34:56
